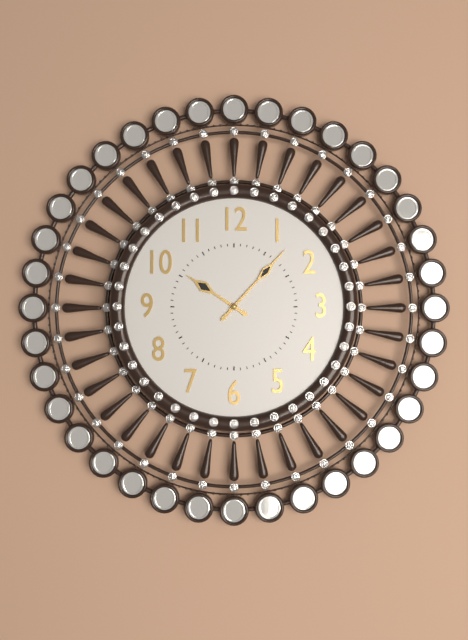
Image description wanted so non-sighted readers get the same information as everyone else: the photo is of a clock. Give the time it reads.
10:07
